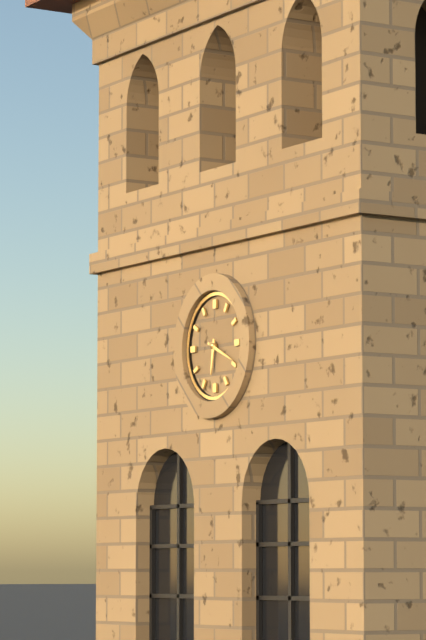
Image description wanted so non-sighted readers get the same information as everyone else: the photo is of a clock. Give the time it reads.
6:19
